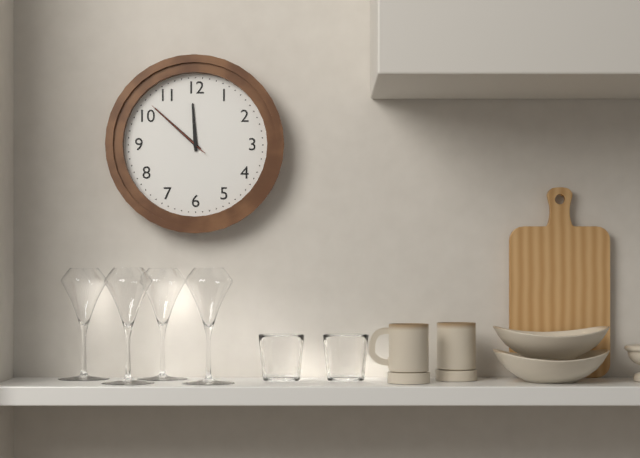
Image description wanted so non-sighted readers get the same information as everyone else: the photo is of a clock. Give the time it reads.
11:52:52
